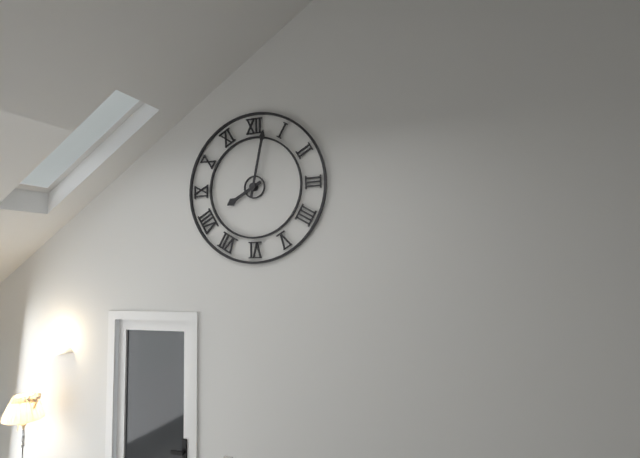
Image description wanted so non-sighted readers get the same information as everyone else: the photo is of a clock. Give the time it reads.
8:02
